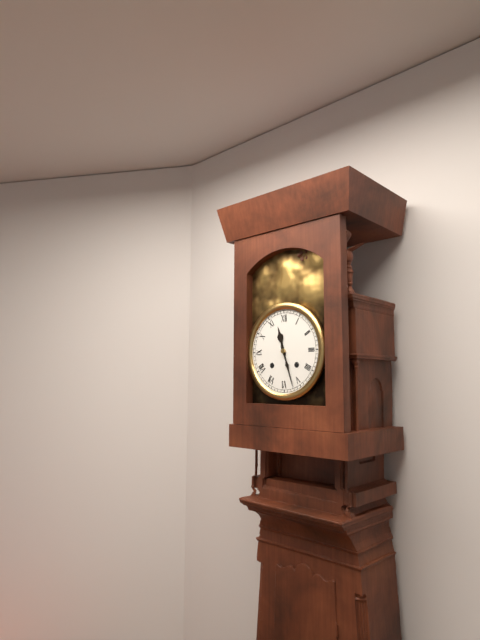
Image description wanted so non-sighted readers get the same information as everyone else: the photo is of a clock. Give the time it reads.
11:27
